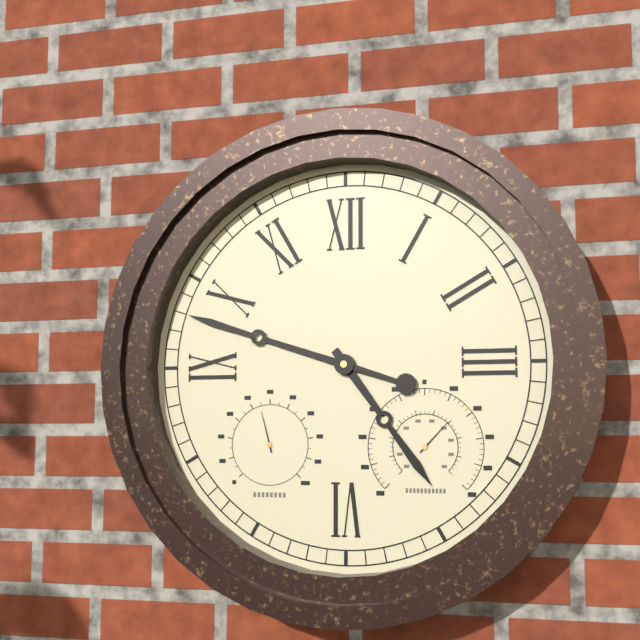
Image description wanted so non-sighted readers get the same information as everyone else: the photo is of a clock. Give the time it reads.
4:48
